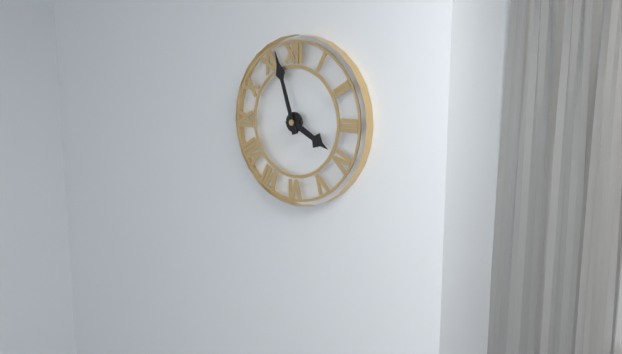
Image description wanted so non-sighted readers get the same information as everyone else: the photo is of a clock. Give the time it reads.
3:57
